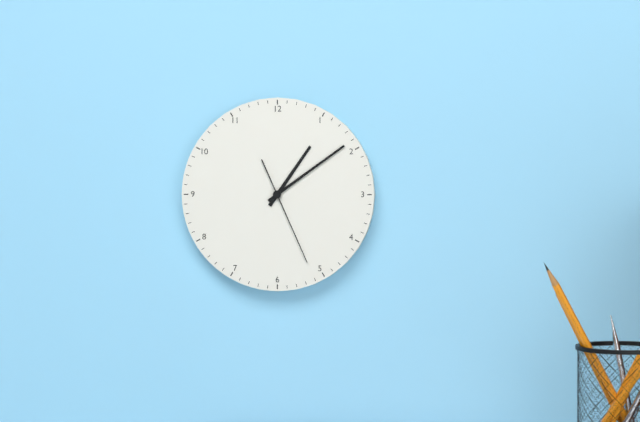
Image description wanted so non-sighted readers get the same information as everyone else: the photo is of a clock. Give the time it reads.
1:09:26
